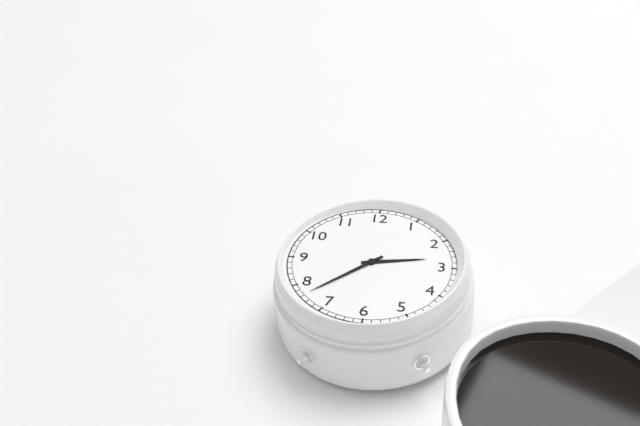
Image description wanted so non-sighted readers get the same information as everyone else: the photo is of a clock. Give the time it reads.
2:38
